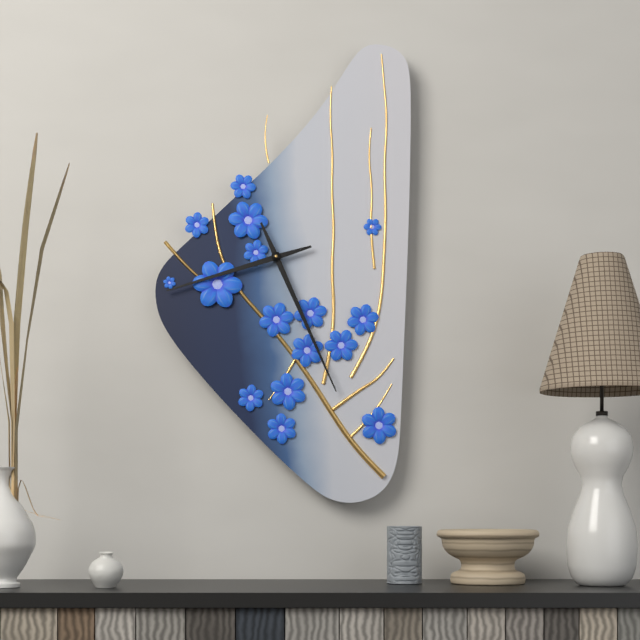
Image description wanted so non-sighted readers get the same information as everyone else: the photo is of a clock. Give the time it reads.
8:26
